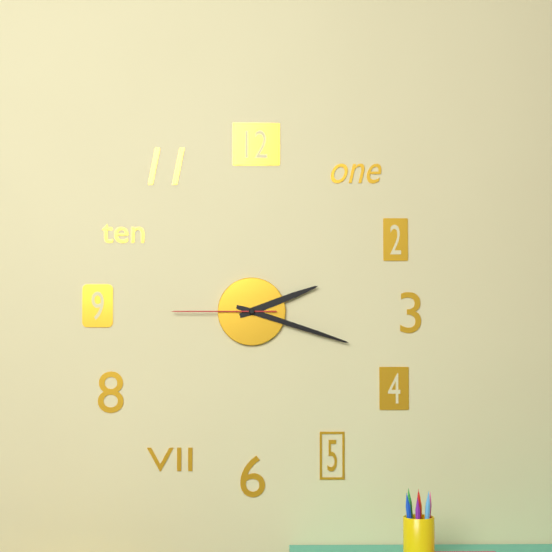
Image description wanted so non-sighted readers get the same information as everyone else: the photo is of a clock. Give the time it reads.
2:18:45
